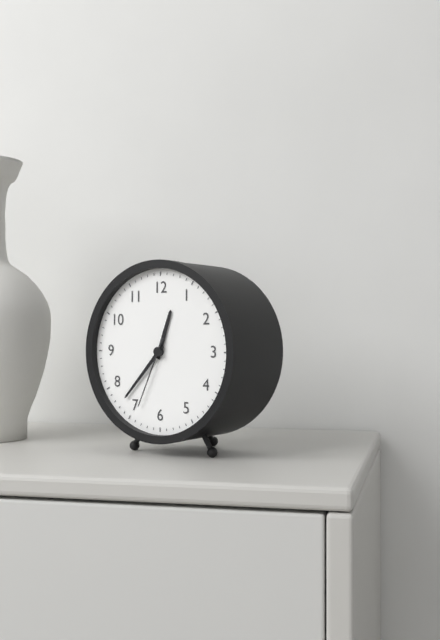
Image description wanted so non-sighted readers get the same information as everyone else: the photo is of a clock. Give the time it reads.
12:37:34
